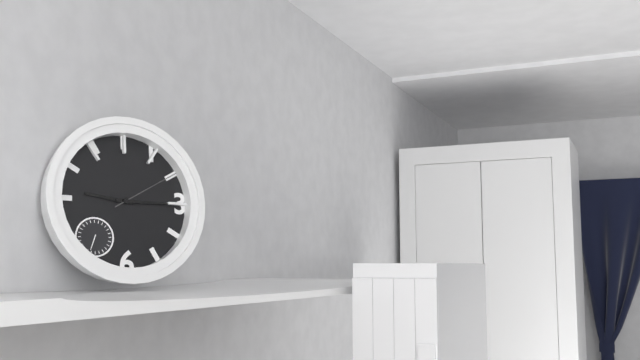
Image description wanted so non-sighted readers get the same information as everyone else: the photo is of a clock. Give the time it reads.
9:15:10
